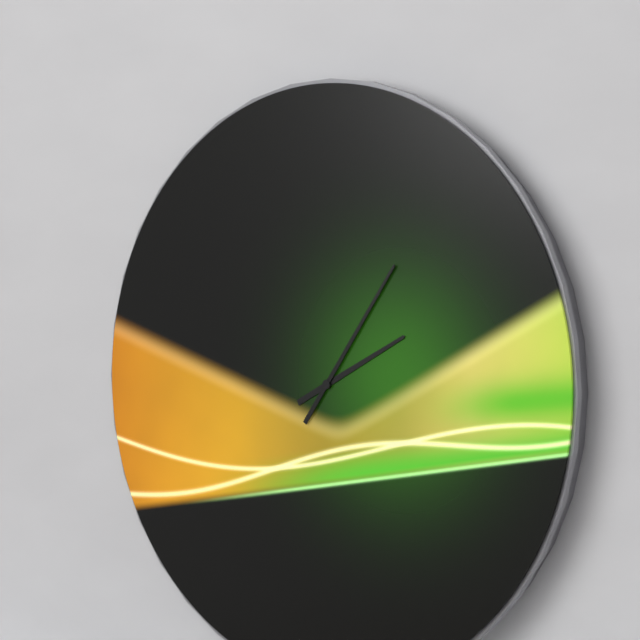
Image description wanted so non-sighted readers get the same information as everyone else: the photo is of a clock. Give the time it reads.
2:06
